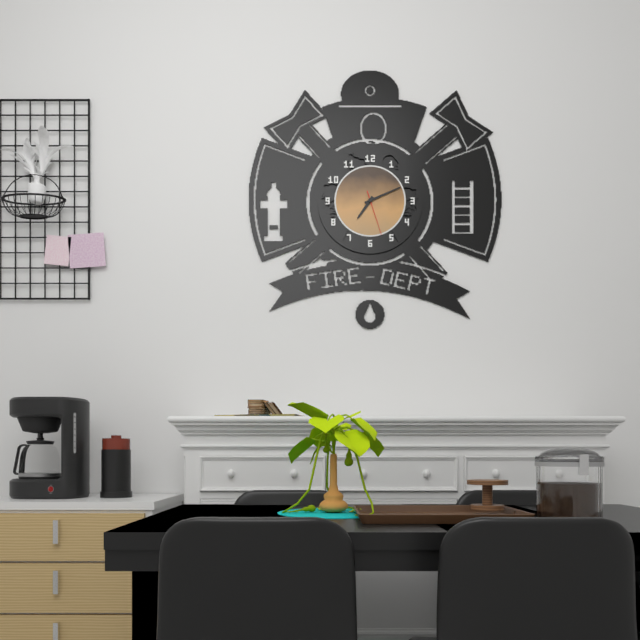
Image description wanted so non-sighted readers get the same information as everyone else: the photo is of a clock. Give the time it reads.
7:11
